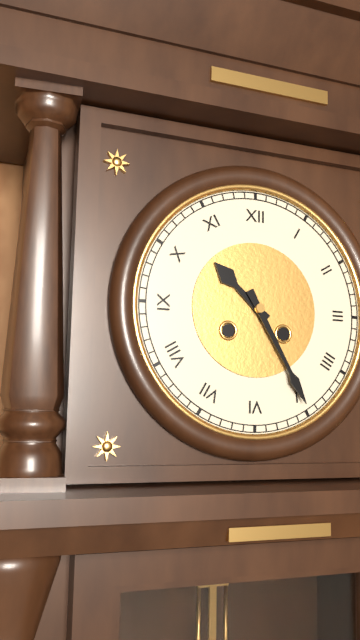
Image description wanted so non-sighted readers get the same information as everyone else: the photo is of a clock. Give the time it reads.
10:25
